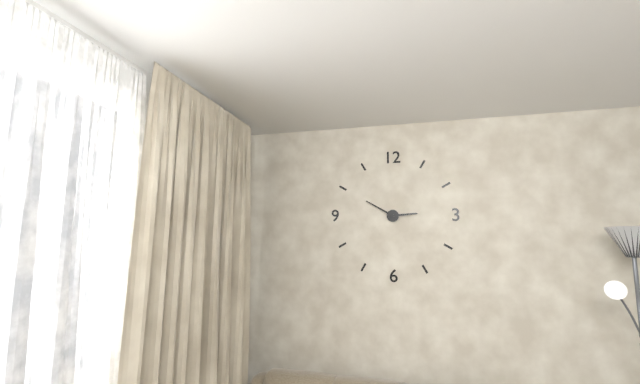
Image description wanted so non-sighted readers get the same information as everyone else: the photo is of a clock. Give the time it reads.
2:50
